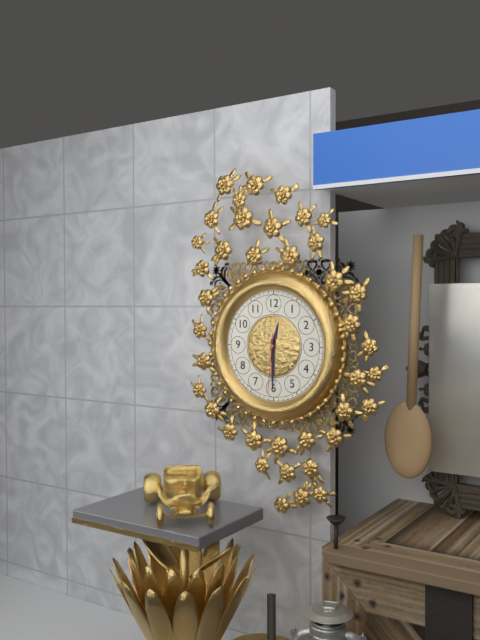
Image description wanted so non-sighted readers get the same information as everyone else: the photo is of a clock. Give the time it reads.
12:30:31
